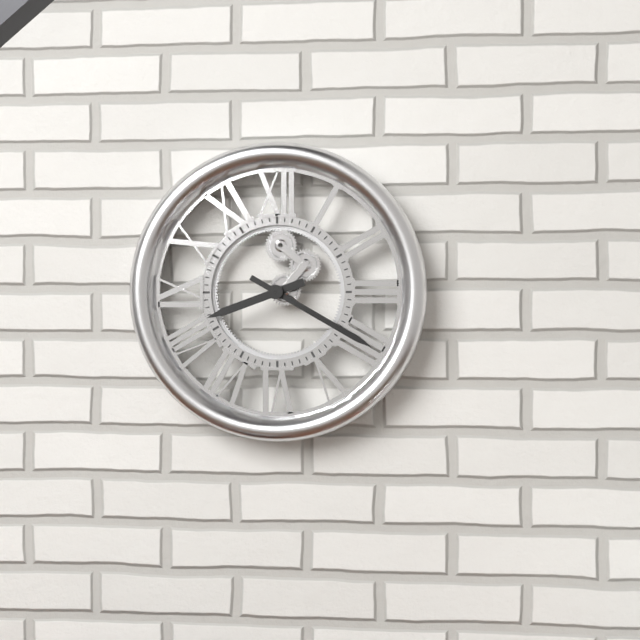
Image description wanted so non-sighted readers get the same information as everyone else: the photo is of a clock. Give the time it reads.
8:20
